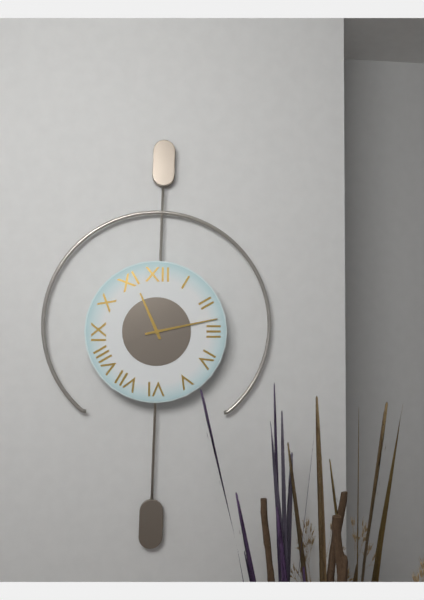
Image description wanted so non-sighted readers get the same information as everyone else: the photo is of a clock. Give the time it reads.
11:13
